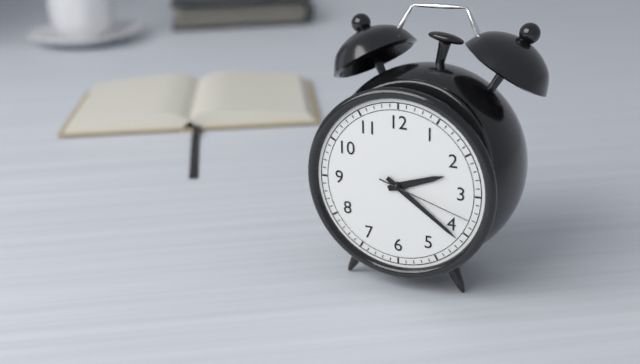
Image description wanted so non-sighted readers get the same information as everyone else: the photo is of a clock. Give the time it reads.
2:21:18
